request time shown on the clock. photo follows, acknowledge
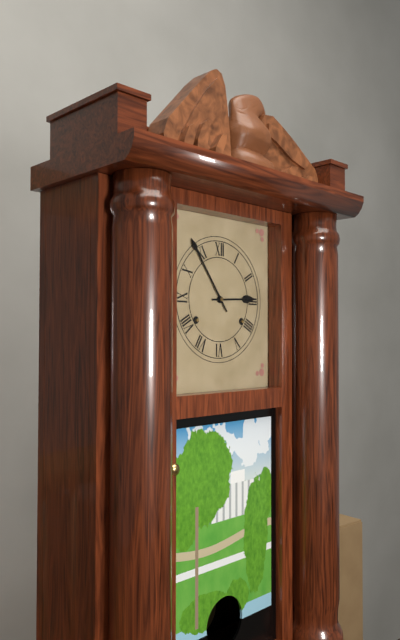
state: 2:54
